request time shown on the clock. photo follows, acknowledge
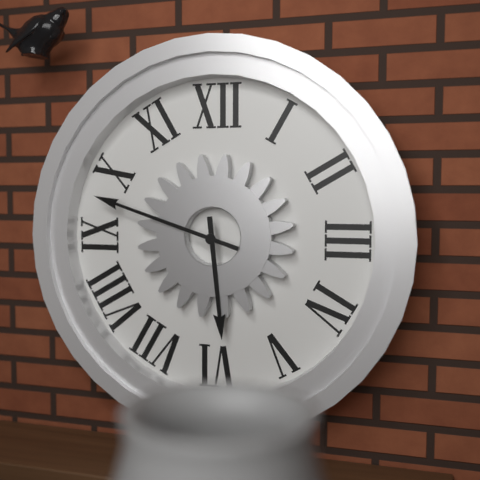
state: 5:48
